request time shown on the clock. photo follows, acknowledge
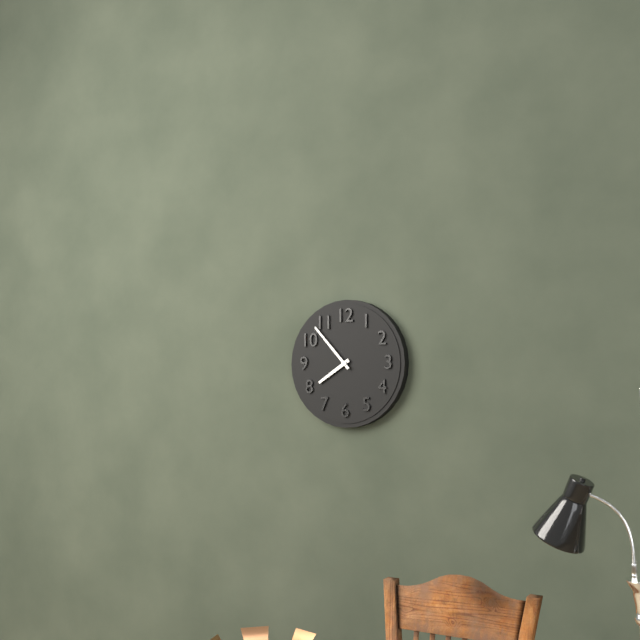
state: 7:53
